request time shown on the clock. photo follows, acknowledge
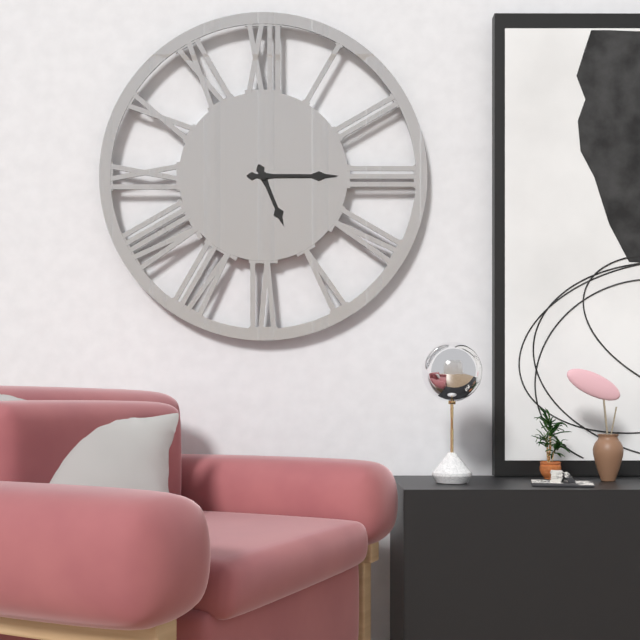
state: 5:15
